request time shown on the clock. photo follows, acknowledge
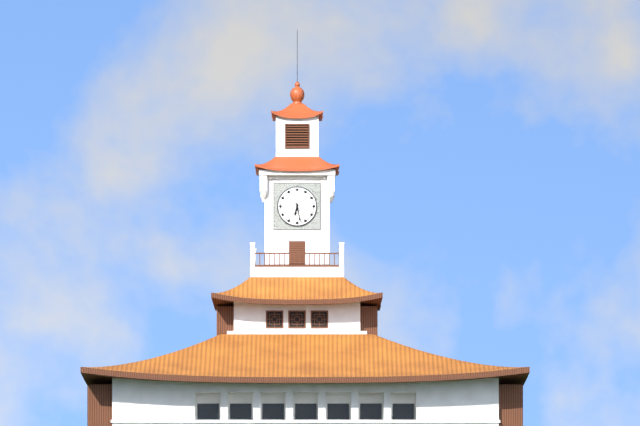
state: 6:28
